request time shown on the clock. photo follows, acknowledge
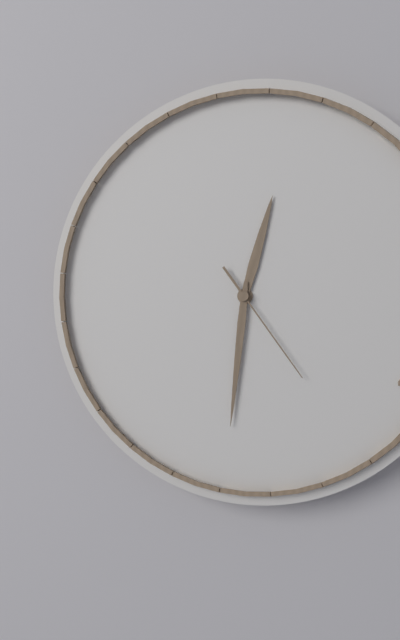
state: 12:31:24
